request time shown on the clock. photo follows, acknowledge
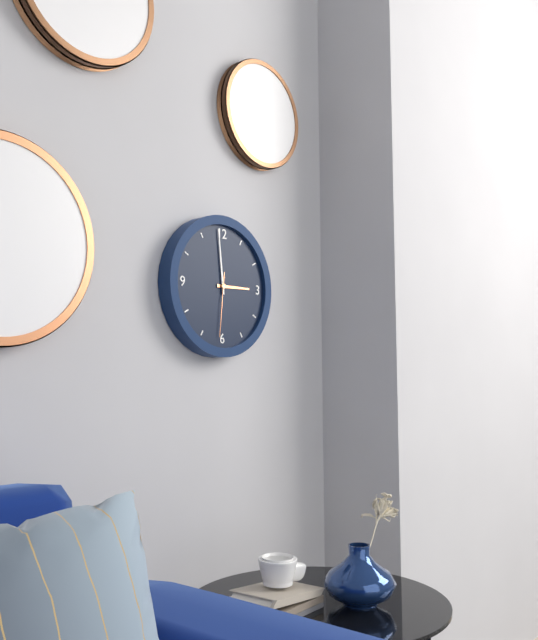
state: 2:59:31
